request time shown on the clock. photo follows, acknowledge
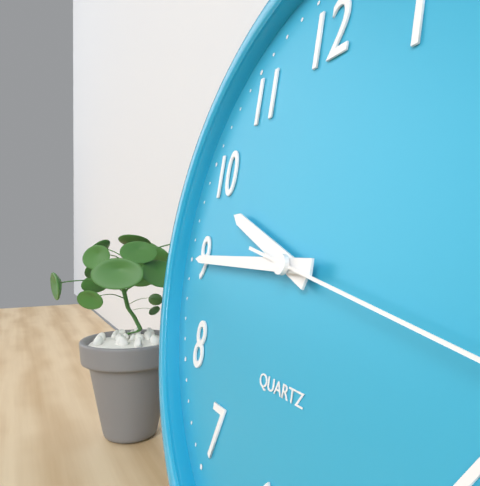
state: 9:45
